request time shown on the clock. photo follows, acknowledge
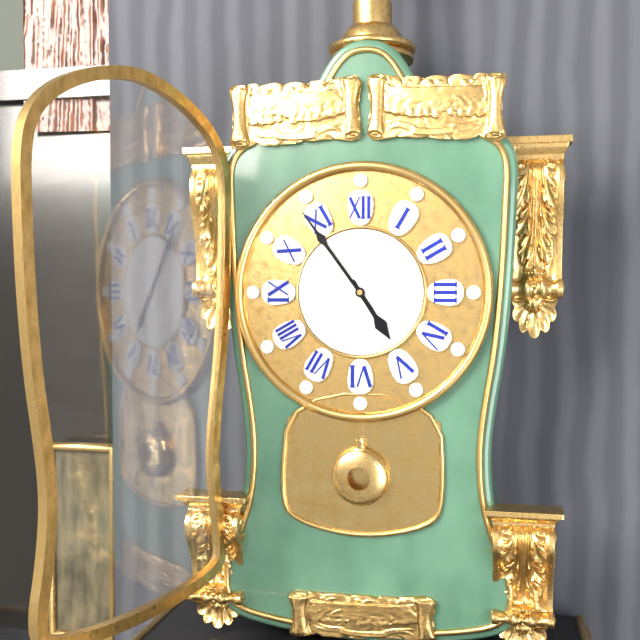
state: 4:54
